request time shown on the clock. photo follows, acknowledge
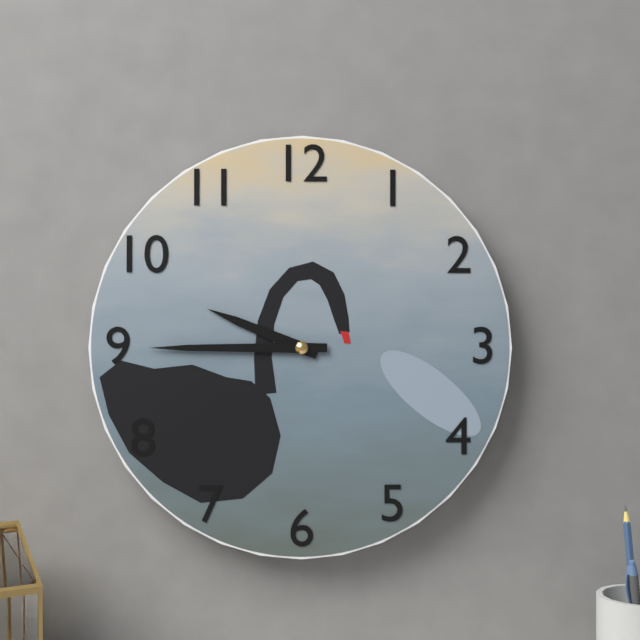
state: 9:45
